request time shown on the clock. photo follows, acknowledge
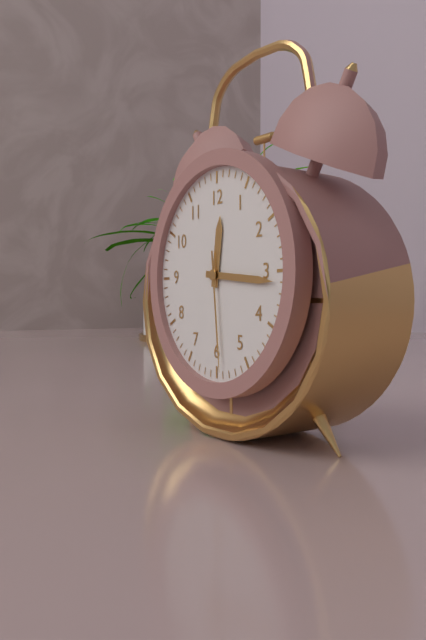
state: 12:16:29
